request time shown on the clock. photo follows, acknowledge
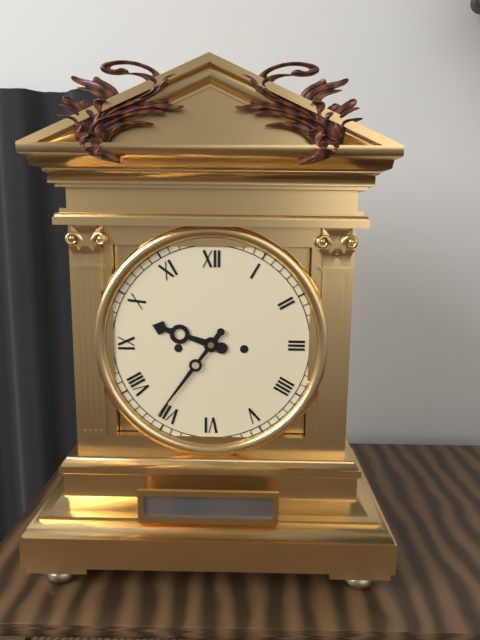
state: 9:36
